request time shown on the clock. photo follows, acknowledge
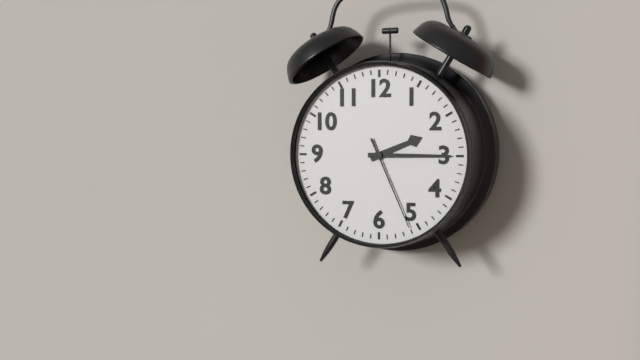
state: 2:15:26
